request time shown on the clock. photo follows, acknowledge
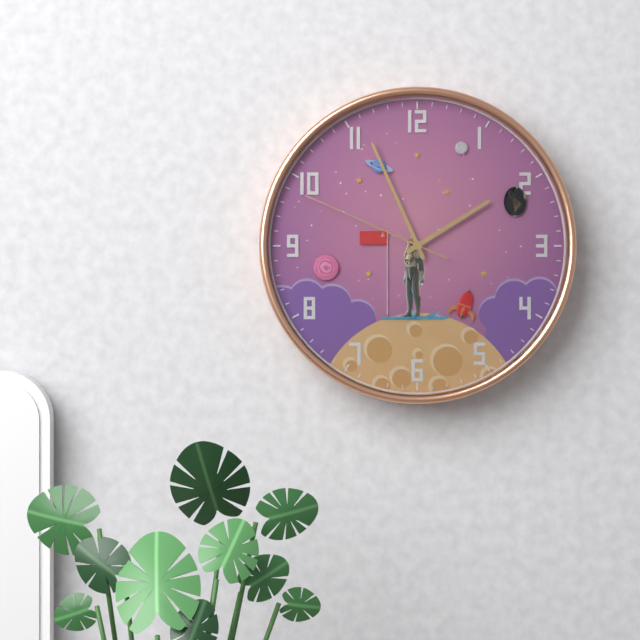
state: 1:56:49
